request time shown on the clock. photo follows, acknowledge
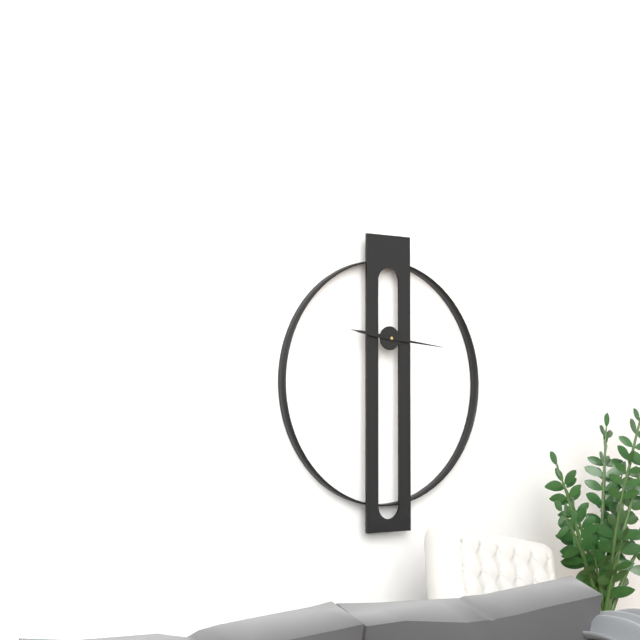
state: 9:16
